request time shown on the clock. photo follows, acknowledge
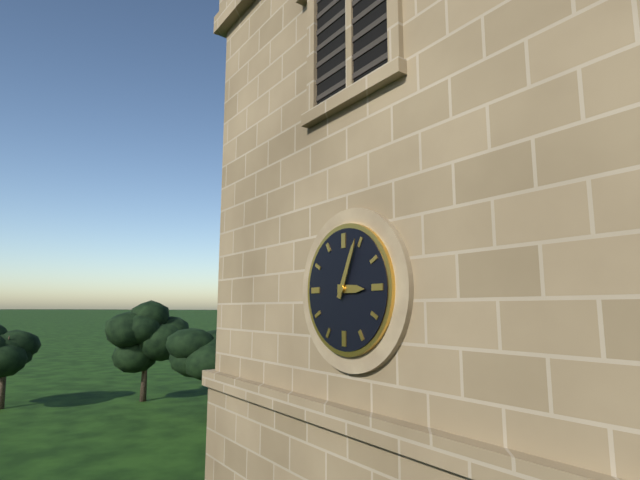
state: 3:04
